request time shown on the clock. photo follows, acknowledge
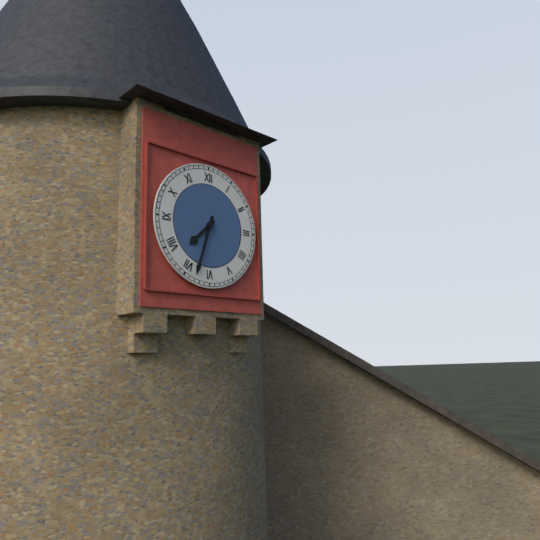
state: 7:33
